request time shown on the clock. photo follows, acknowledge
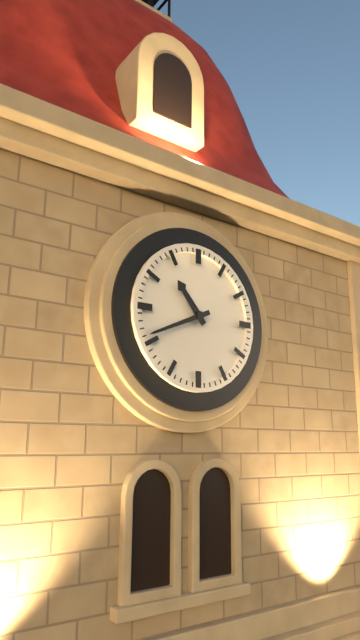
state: 10:41
